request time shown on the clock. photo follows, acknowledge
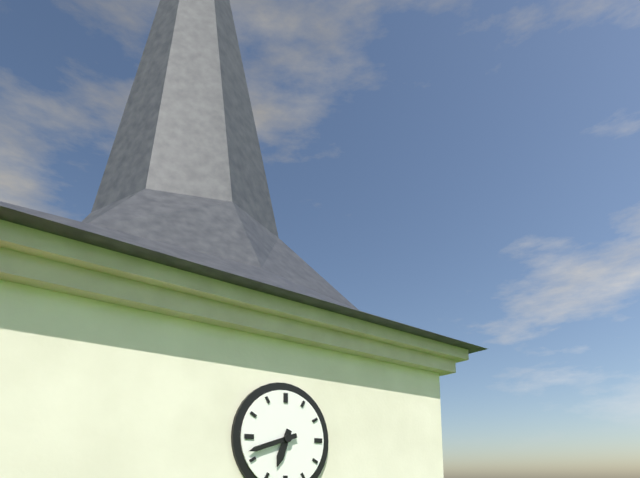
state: 6:42
